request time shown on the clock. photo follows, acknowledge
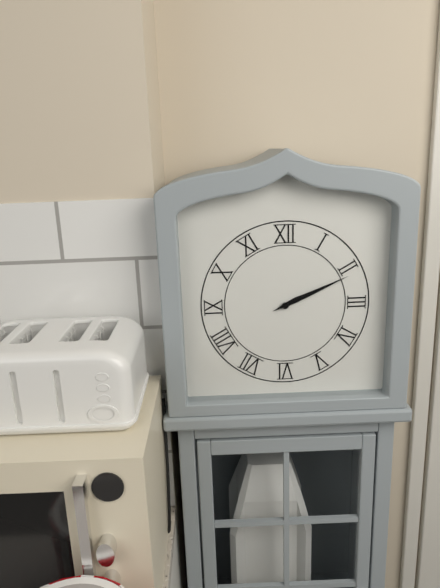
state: 2:11
